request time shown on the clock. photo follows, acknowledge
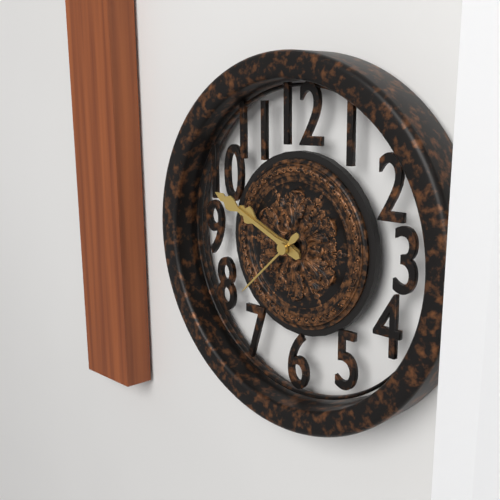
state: 9:49:38
